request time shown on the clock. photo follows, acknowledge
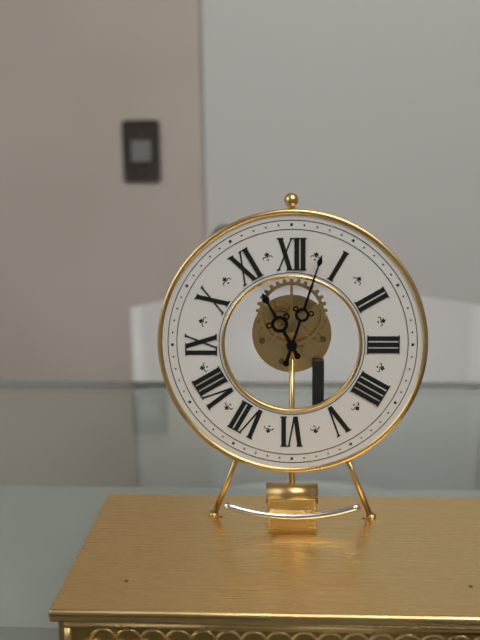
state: 11:03
